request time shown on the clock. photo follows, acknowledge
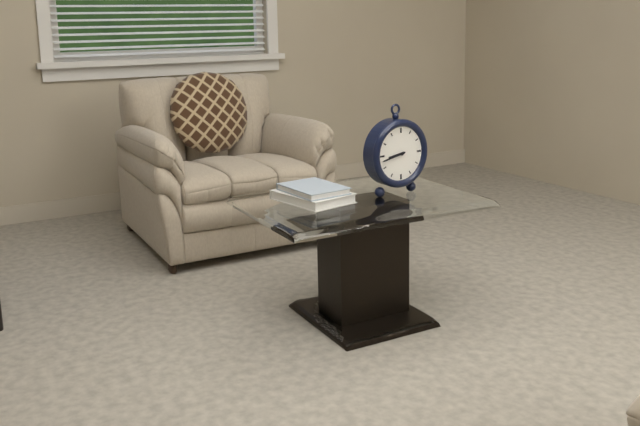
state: 8:43
